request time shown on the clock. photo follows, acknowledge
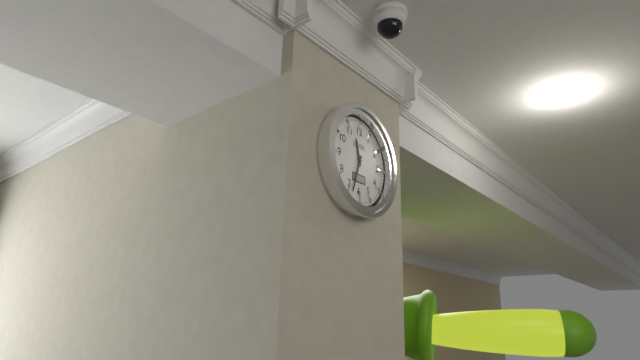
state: 11:33
